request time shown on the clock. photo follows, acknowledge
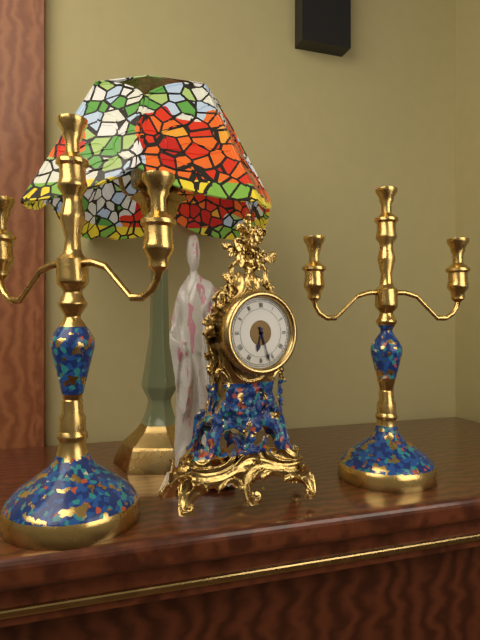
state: 6:27
